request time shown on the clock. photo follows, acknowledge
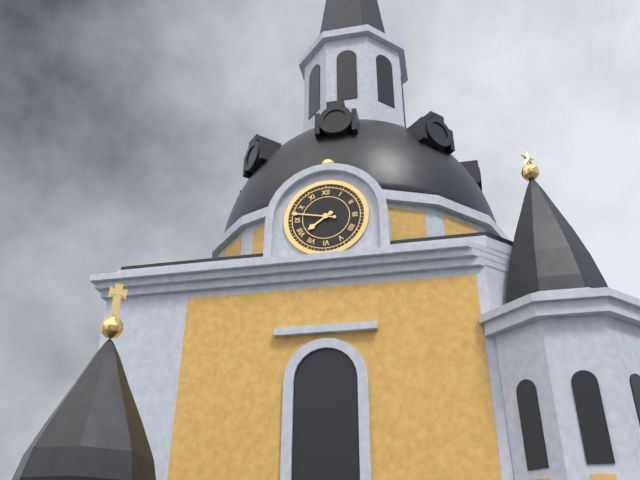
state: 7:47
